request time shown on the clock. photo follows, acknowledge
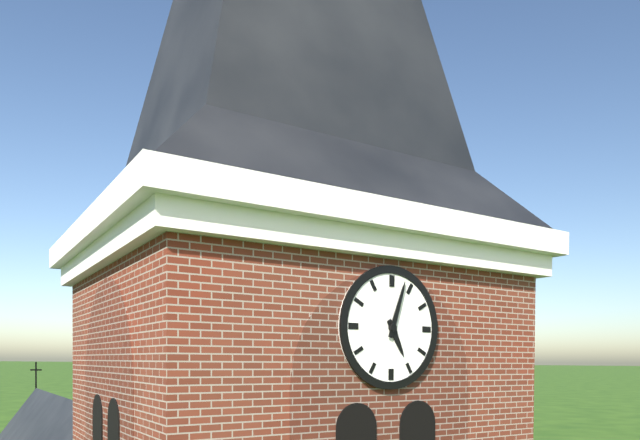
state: 5:03
